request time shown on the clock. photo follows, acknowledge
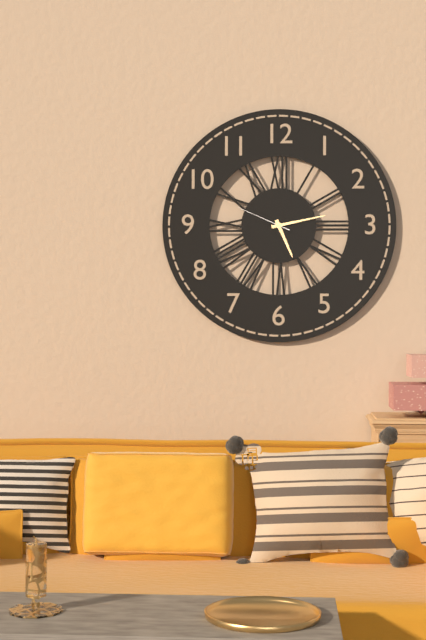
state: 5:13:49
